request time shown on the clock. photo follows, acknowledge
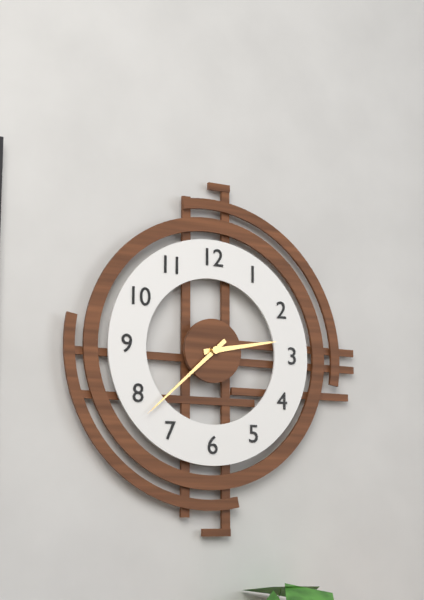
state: 2:38
